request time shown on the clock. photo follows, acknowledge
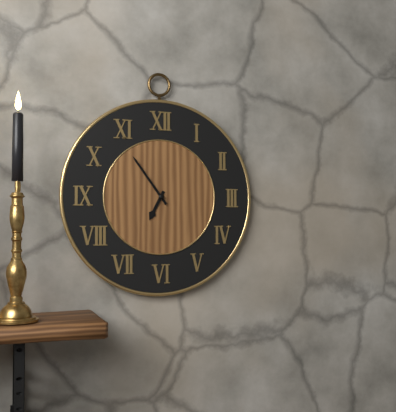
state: 6:54
